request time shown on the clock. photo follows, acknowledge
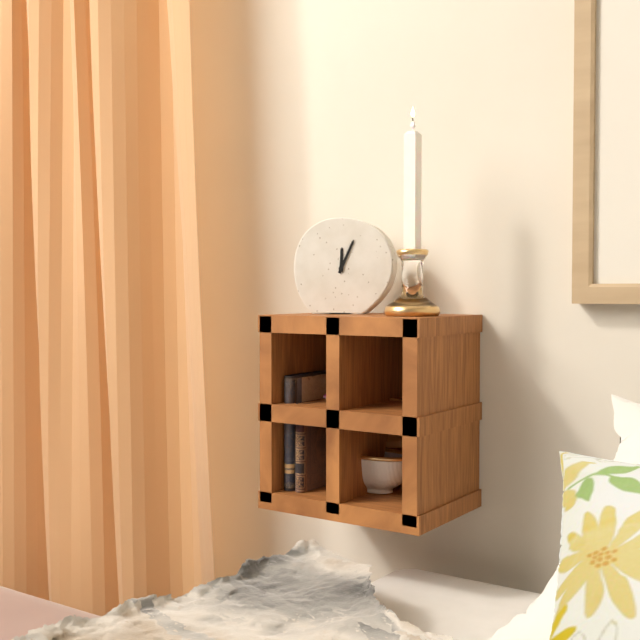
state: 12:04
